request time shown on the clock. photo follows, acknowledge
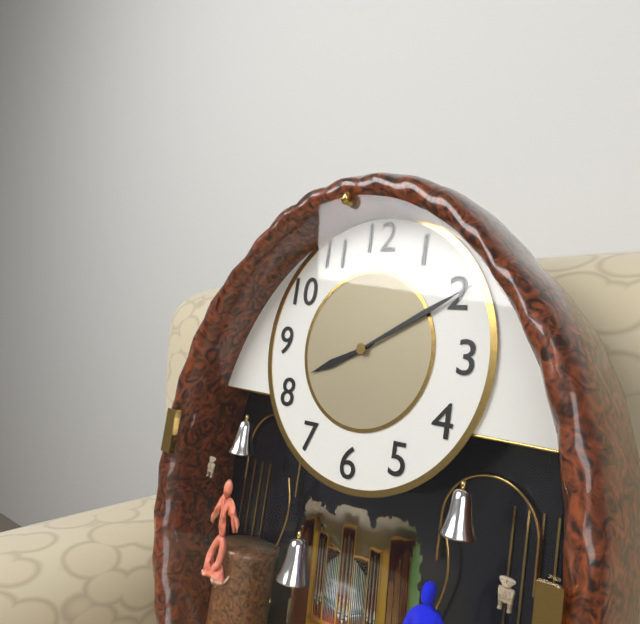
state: 8:10
